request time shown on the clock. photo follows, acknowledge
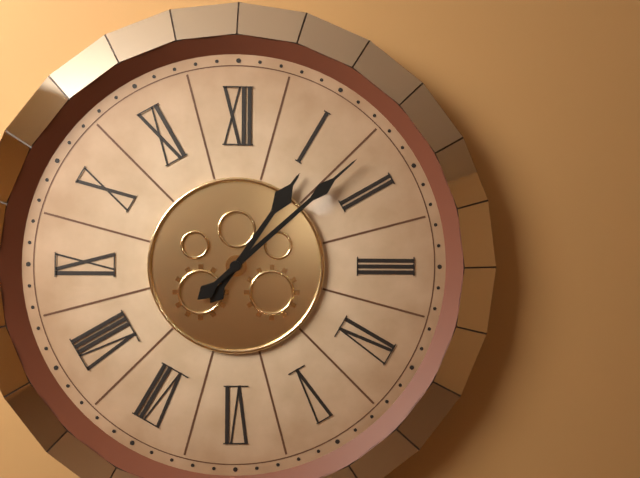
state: 1:08
